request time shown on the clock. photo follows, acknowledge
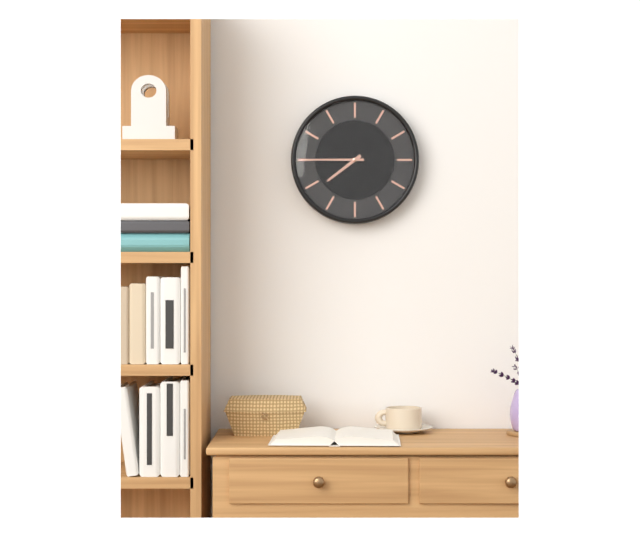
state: 7:45
